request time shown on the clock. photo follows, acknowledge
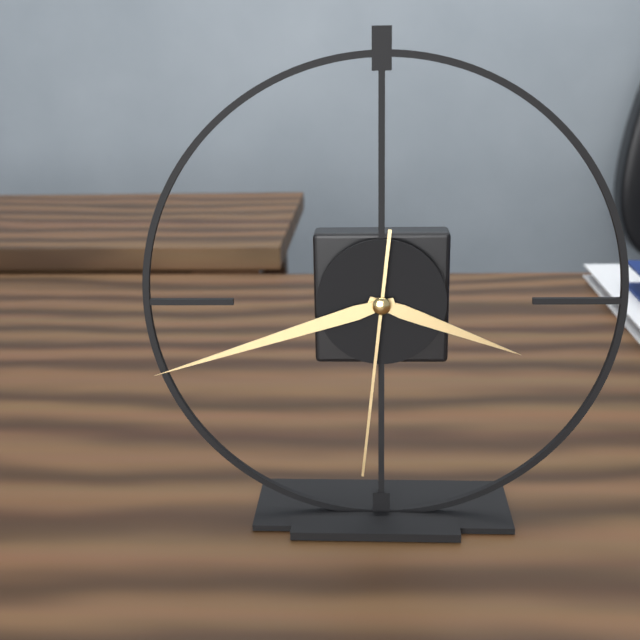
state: 3:42:31
